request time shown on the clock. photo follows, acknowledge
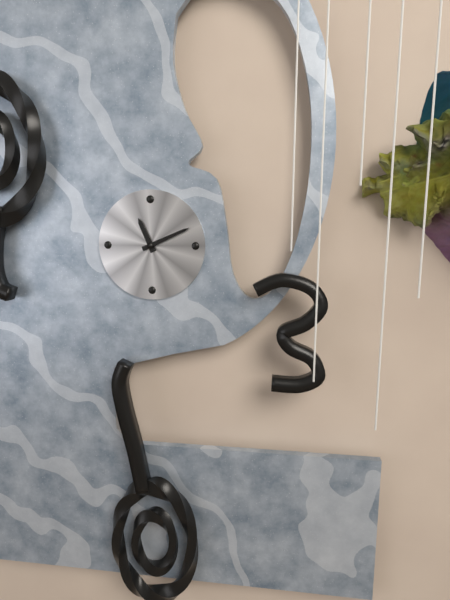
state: 11:11
